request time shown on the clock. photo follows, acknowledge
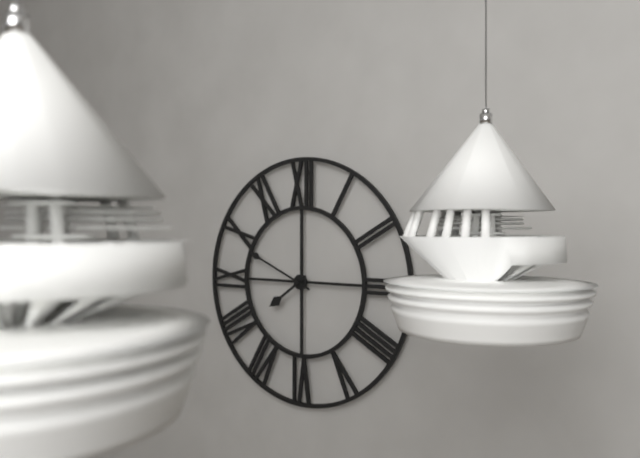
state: 7:49
